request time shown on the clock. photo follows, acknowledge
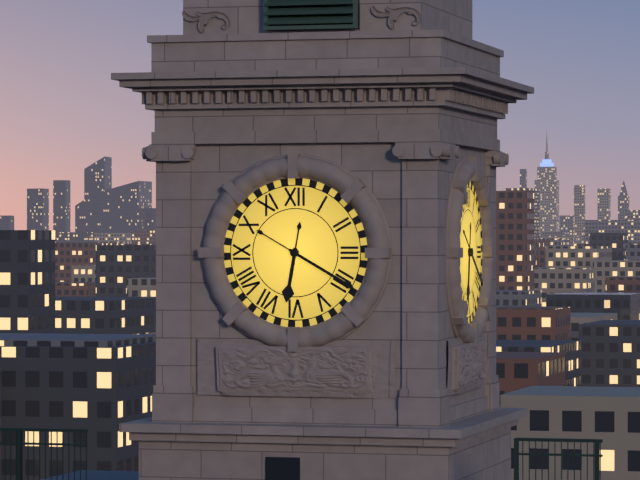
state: 6:20
